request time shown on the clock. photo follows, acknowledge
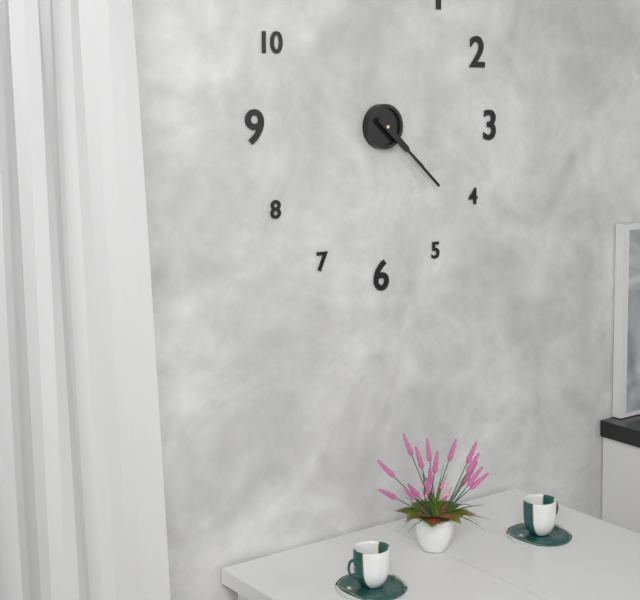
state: 4:22
